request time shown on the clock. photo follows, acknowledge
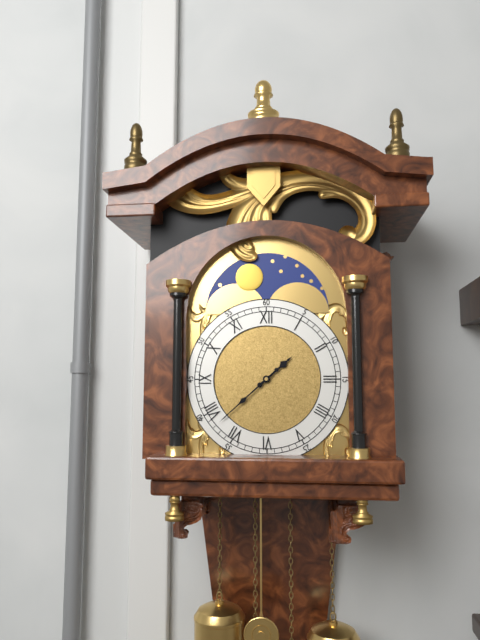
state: 1:38
